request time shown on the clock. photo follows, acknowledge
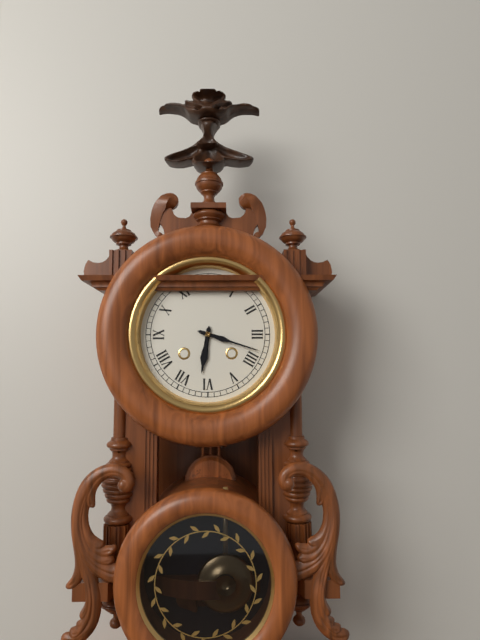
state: 6:18
